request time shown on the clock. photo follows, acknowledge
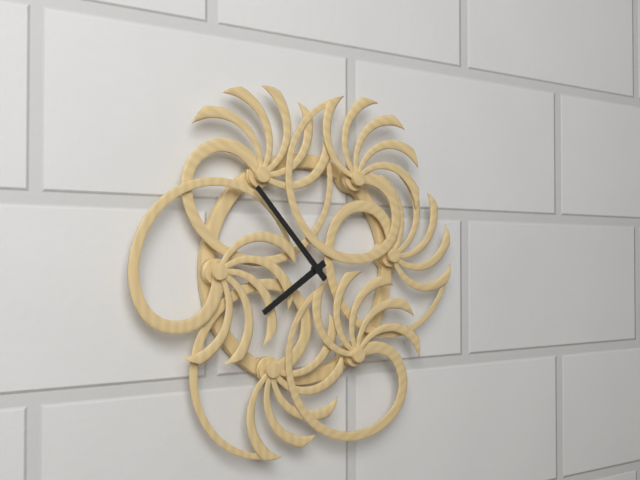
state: 7:53
